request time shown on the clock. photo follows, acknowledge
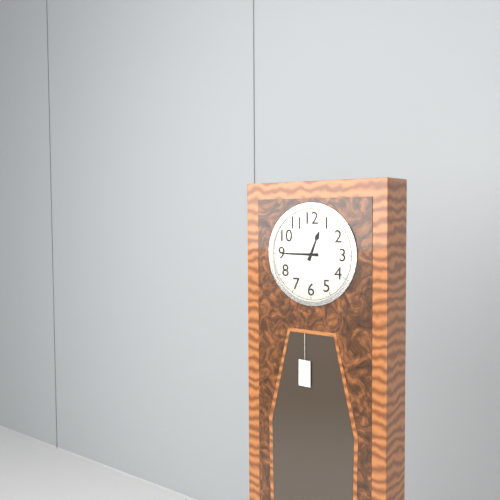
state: 12:45
